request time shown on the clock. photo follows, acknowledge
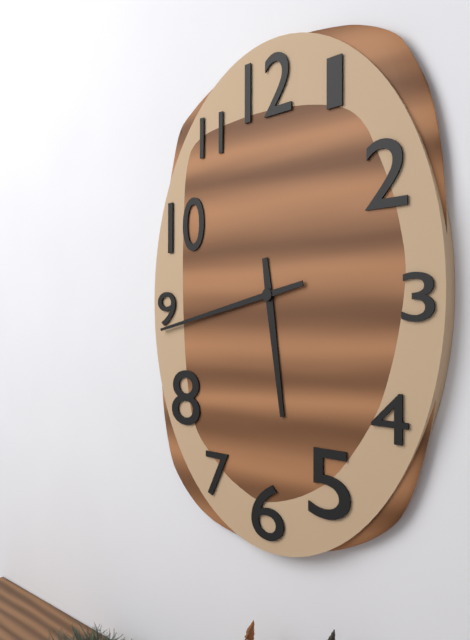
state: 5:43
